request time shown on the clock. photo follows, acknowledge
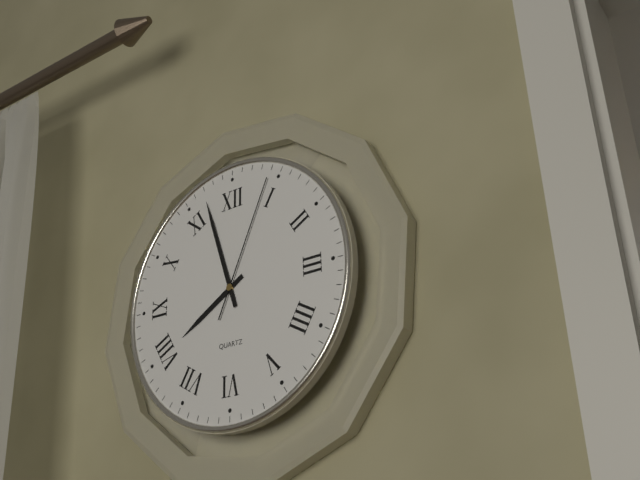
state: 7:57:04
